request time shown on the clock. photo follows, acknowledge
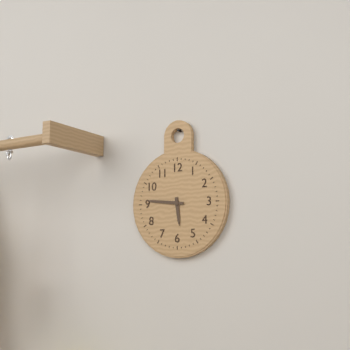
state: 5:46
